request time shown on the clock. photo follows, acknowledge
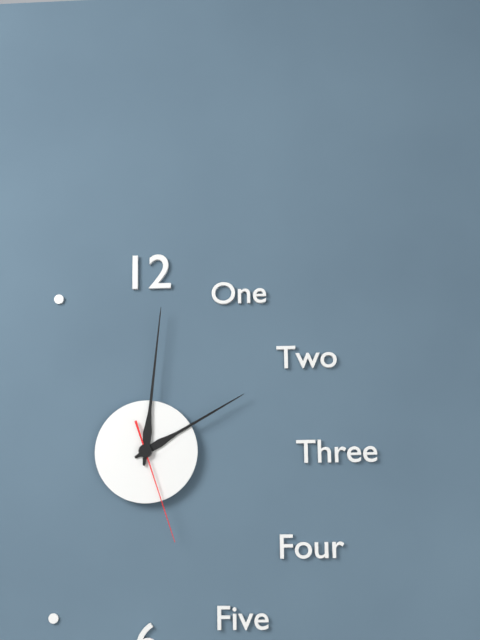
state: 2:01:27
